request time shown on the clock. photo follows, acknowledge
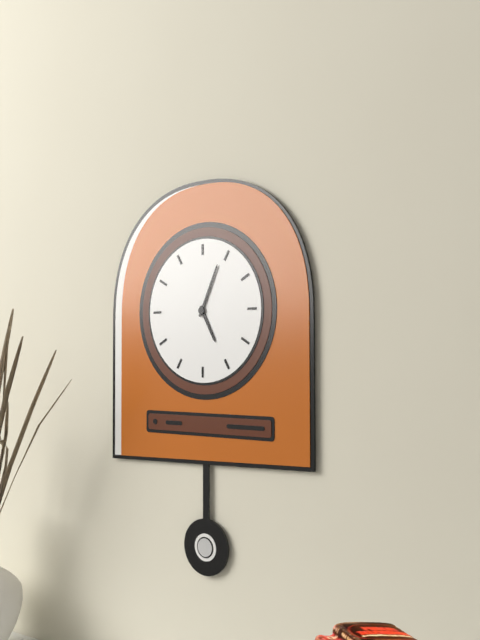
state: 5:04
